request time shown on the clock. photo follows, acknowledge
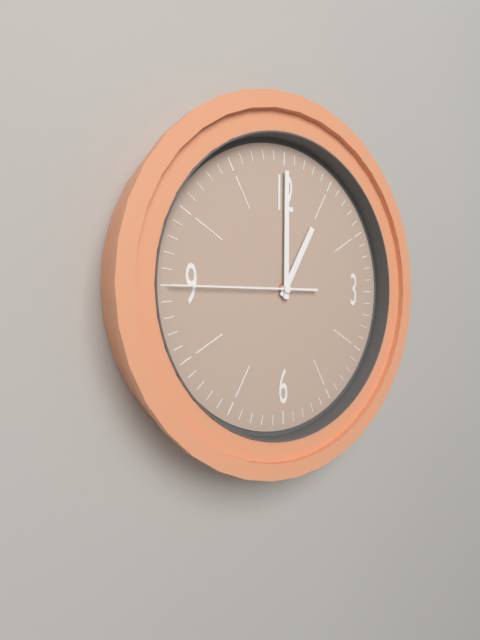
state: 1:00:45
